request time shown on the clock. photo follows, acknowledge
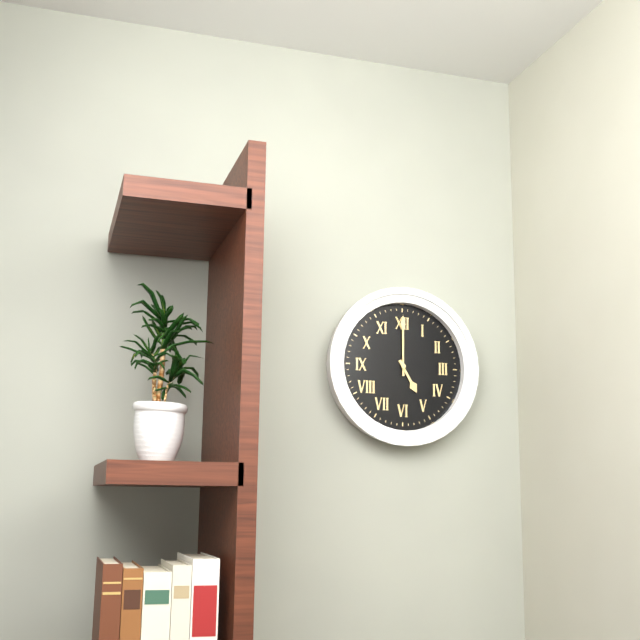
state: 5:00
